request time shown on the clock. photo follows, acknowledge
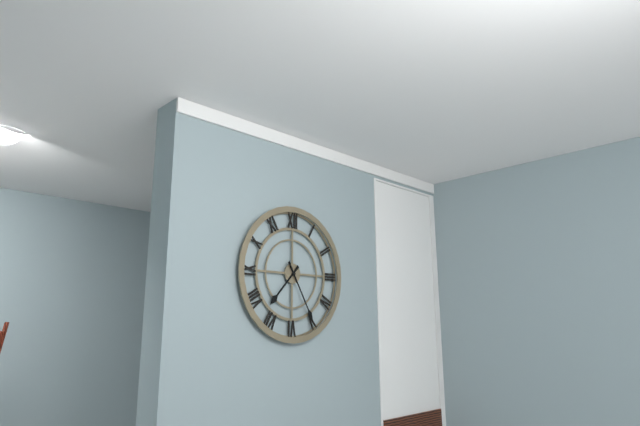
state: 7:25
